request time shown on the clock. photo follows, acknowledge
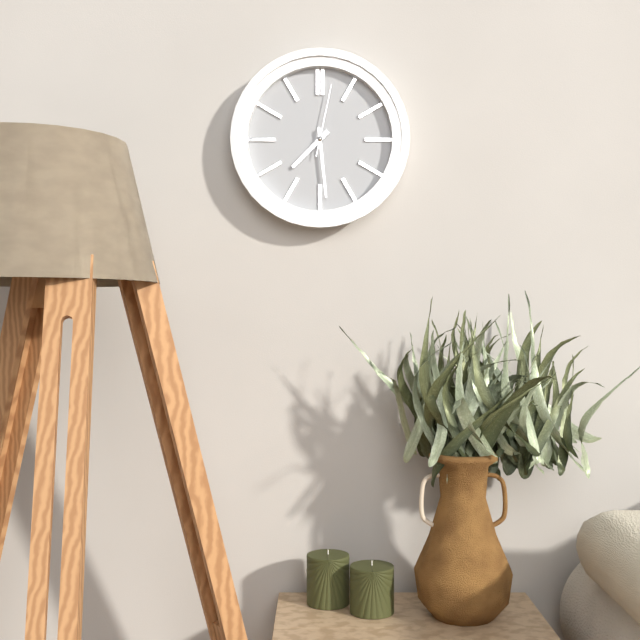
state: 7:29:02
